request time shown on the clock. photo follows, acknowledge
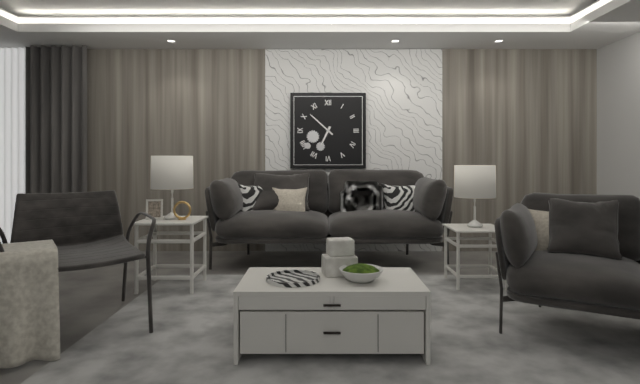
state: 6:52
